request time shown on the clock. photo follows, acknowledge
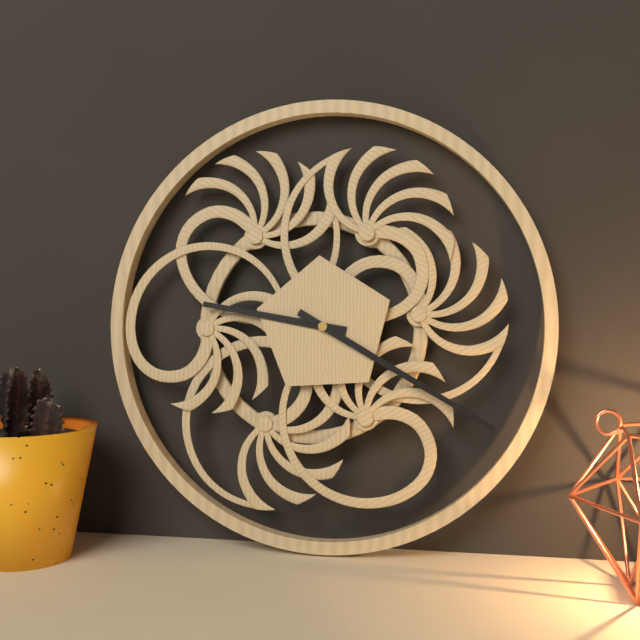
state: 9:20
